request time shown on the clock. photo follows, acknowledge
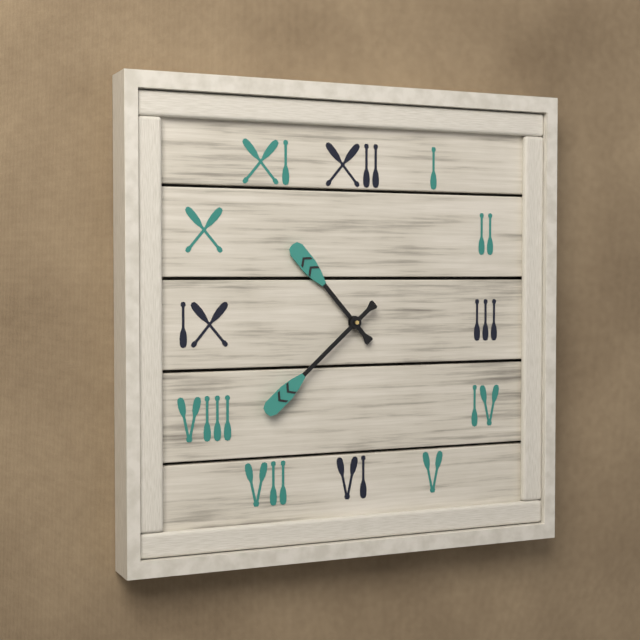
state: 10:38
